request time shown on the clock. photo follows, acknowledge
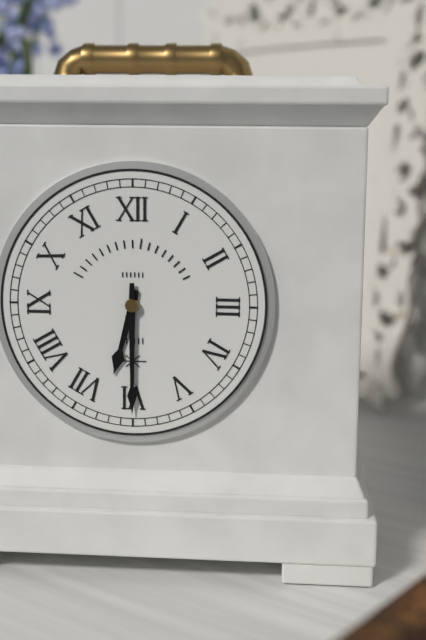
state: 6:30
